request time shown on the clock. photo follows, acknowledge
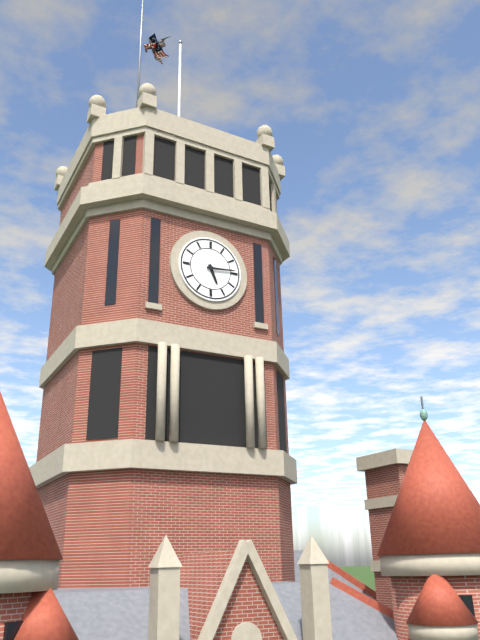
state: 5:14
